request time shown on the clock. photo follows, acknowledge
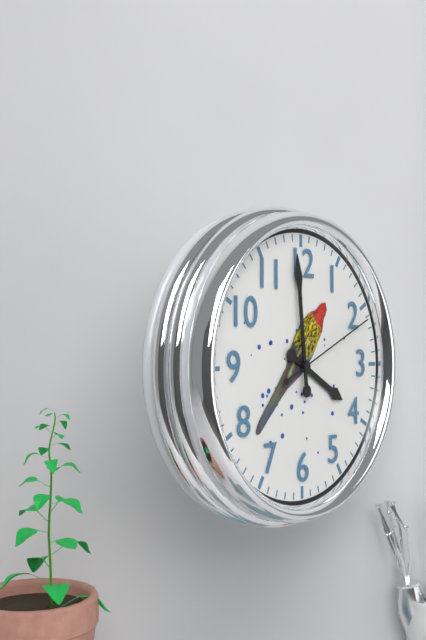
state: 3:59:11
